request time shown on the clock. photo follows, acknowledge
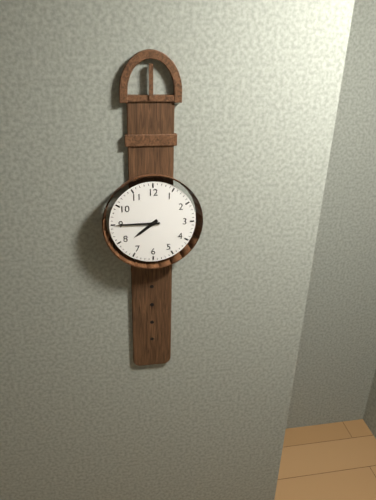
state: 7:45
